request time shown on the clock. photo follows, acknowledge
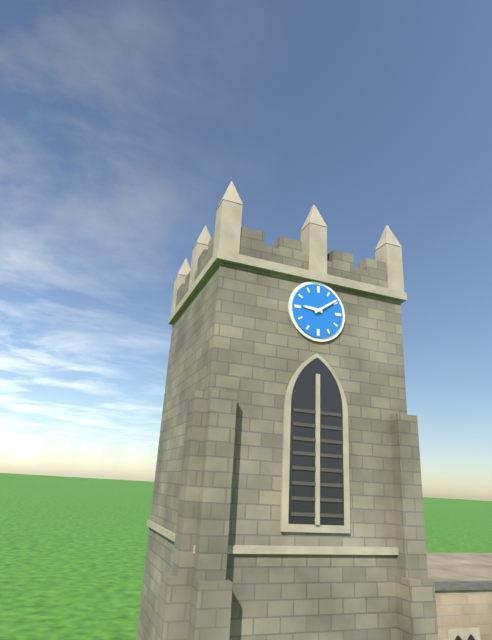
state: 9:09
